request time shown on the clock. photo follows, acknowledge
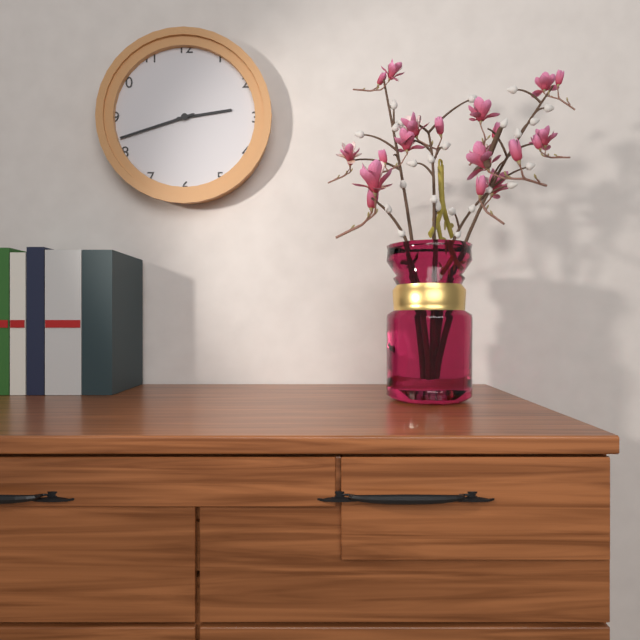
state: 2:42
